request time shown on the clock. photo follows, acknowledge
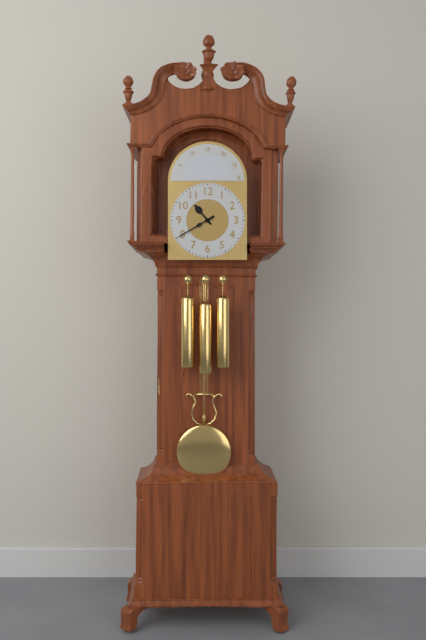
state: 10:40
